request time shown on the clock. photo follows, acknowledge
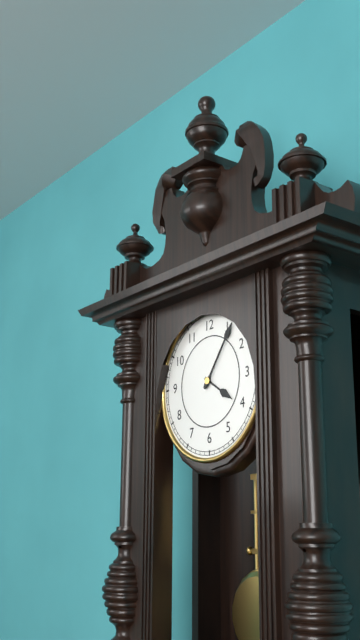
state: 4:06
